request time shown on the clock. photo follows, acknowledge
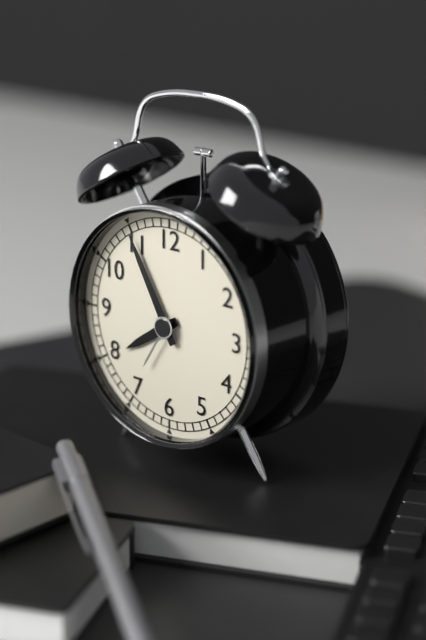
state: 7:55
